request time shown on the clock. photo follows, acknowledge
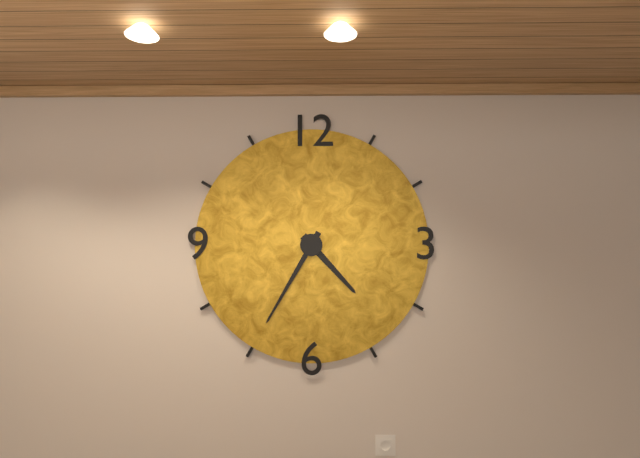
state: 4:35
